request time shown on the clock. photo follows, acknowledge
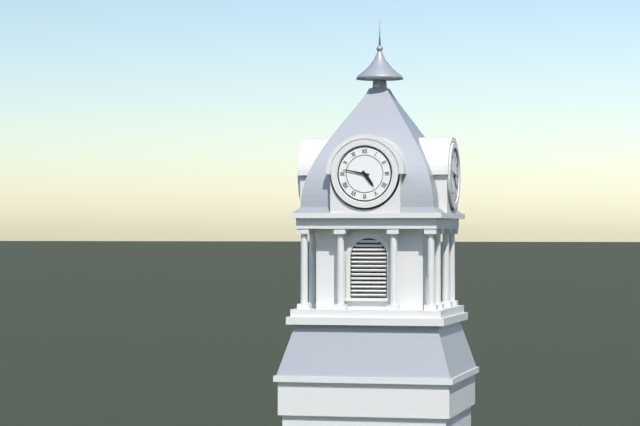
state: 4:47
